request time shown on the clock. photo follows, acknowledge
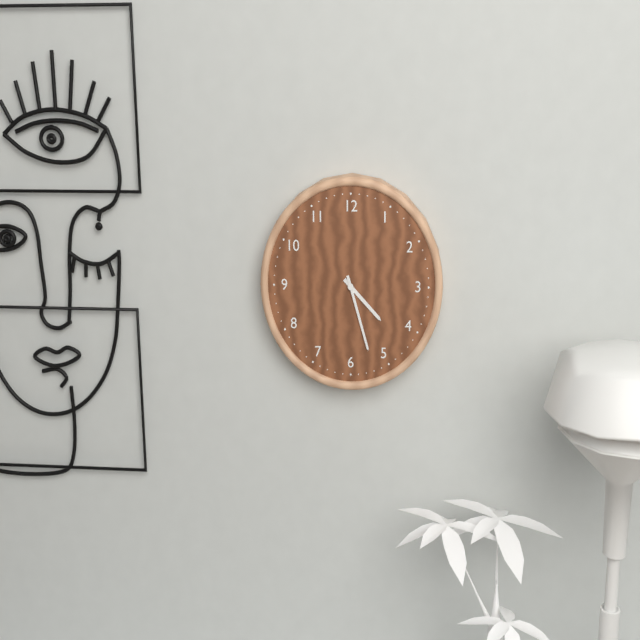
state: 4:27
